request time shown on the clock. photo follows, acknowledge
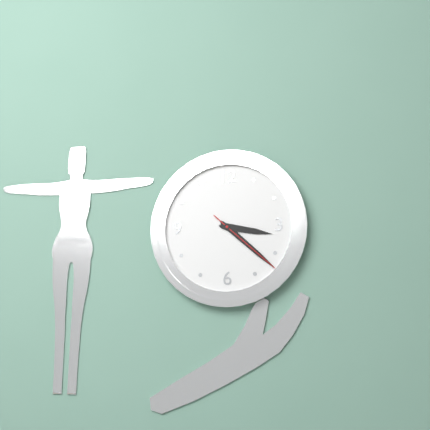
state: 3:22:22
